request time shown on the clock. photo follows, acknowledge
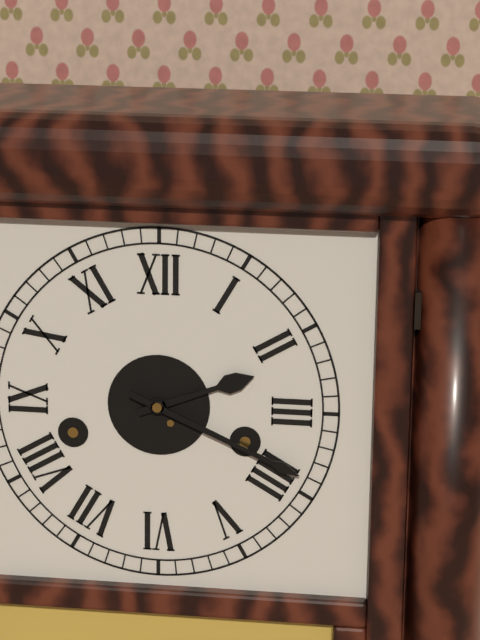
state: 2:19
